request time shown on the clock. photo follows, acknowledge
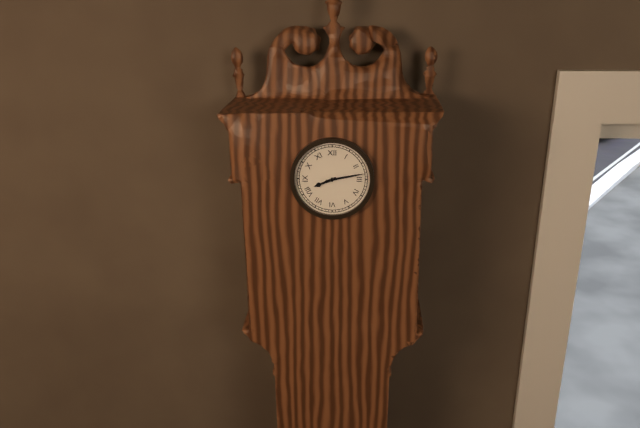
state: 8:13
